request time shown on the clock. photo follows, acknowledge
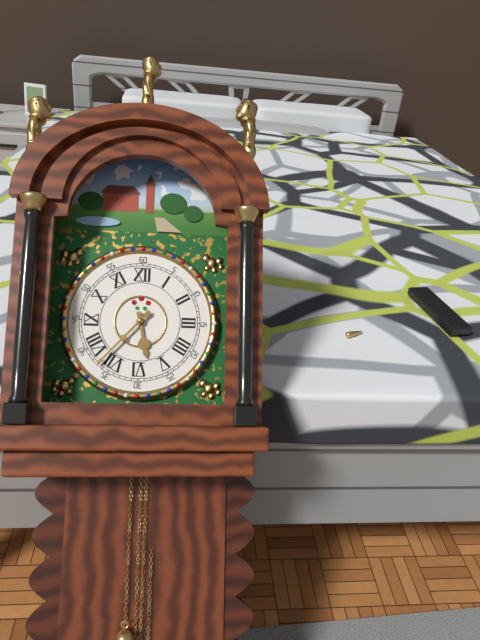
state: 5:37
